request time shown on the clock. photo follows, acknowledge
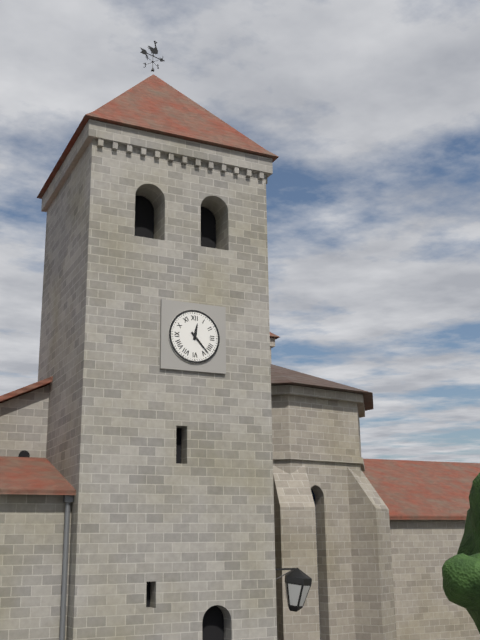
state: 12:23
